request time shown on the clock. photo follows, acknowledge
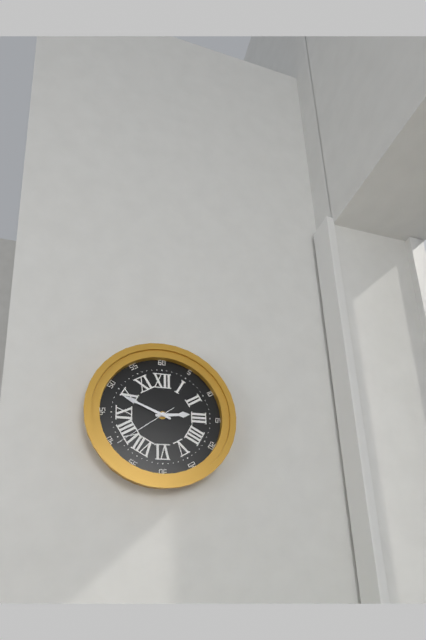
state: 2:49:39
